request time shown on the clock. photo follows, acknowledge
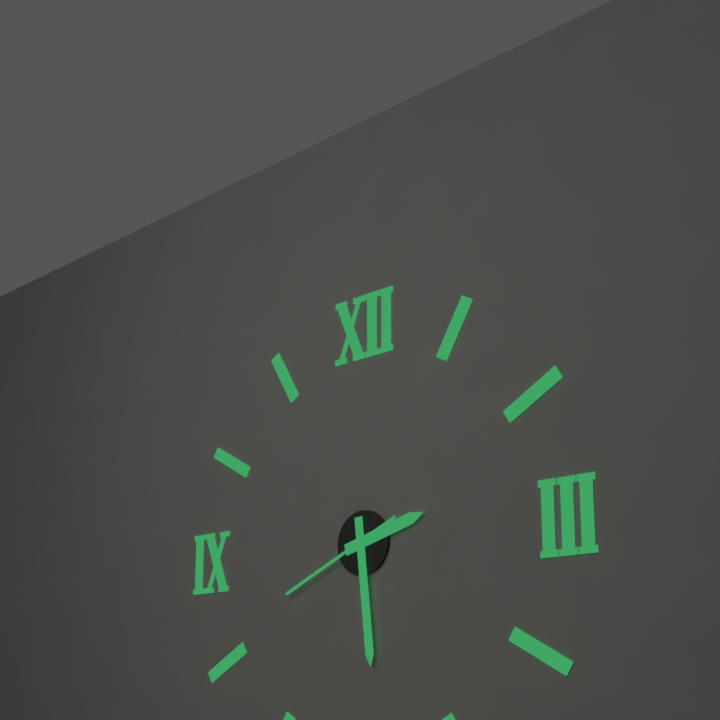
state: 2:29:41
